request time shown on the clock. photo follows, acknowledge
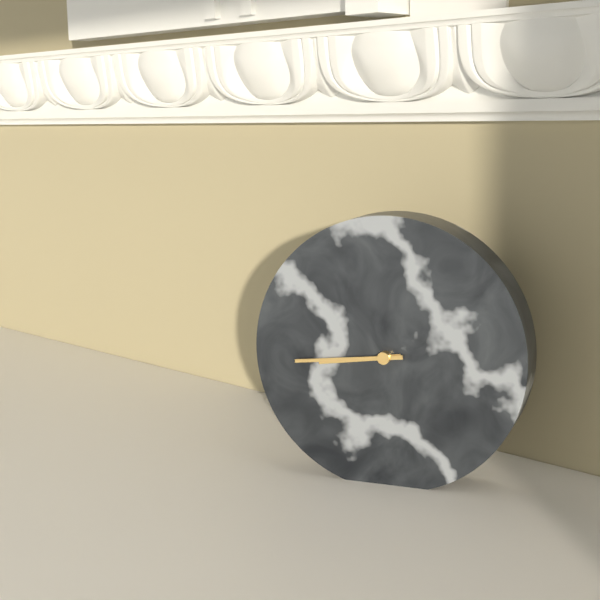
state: 8:44
